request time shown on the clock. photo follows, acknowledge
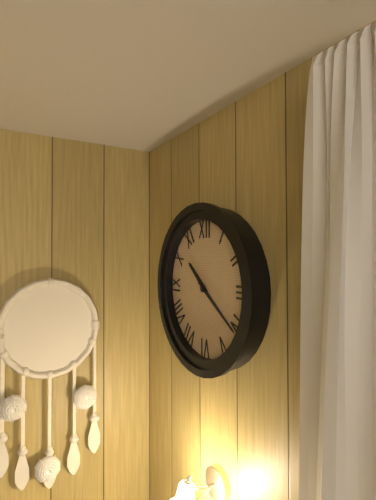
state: 10:21
